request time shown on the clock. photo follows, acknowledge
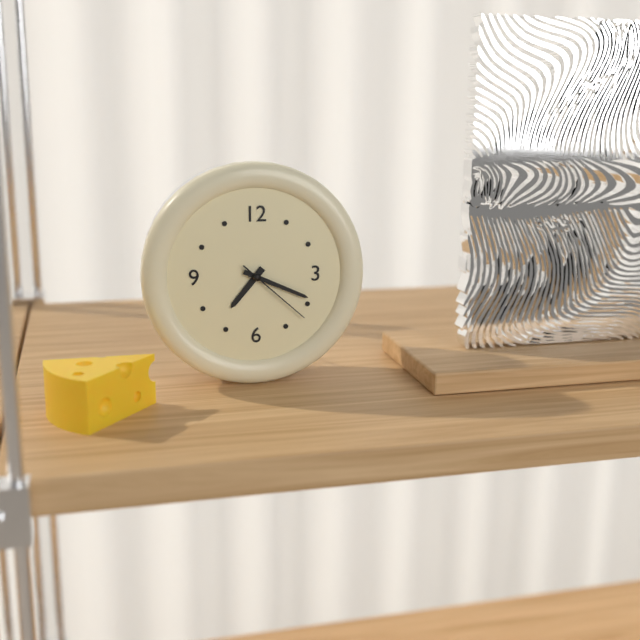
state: 7:19:22
